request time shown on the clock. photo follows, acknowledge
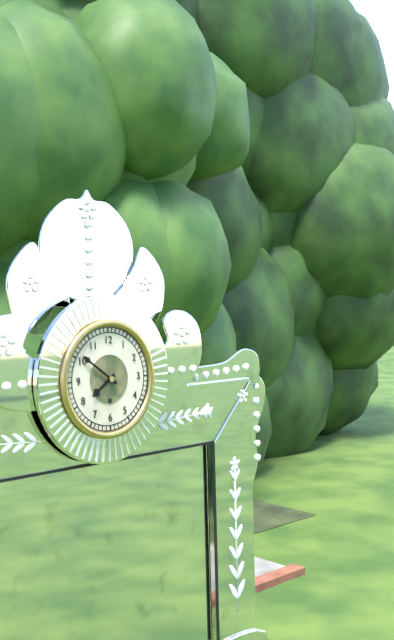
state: 7:51
